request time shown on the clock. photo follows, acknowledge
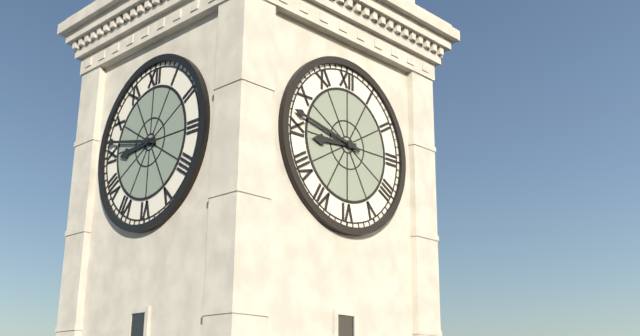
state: 8:47
